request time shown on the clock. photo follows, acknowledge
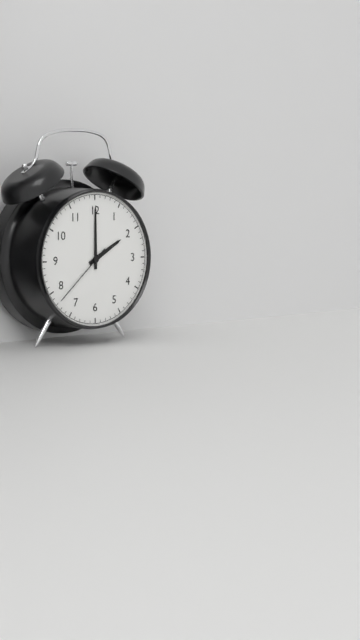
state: 2:00:38
